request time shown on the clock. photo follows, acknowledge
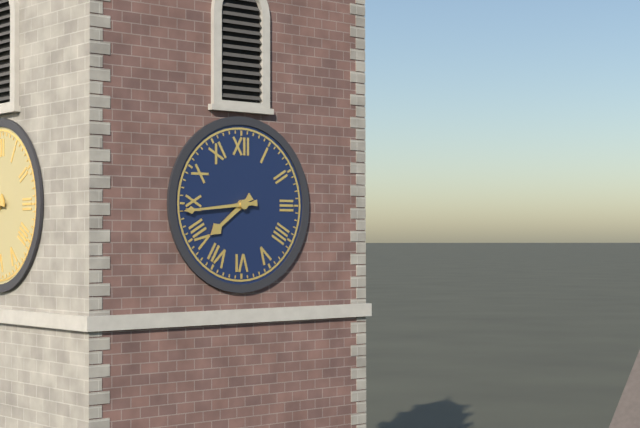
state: 7:44
